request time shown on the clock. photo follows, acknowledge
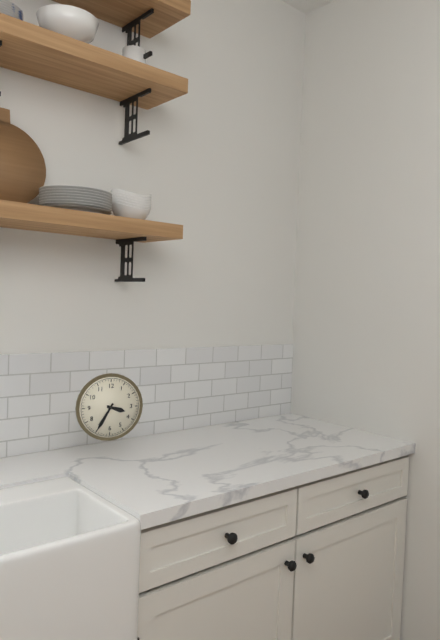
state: 3:35
